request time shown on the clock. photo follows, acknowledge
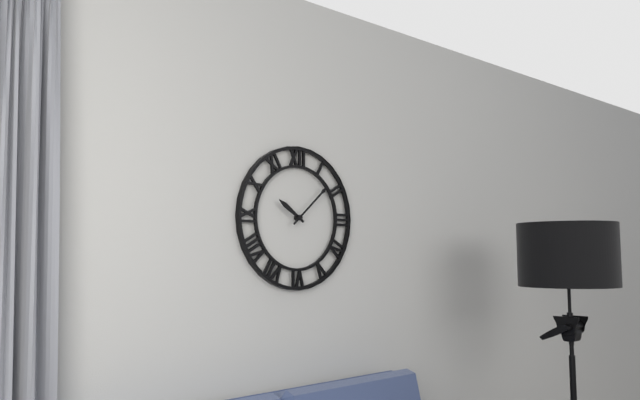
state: 10:08
